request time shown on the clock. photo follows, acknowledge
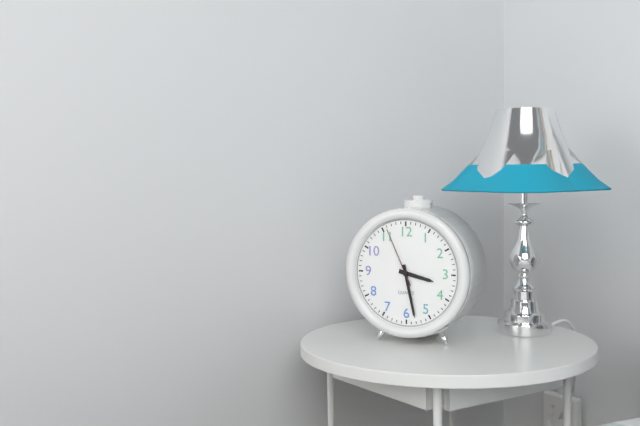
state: 3:28:56
